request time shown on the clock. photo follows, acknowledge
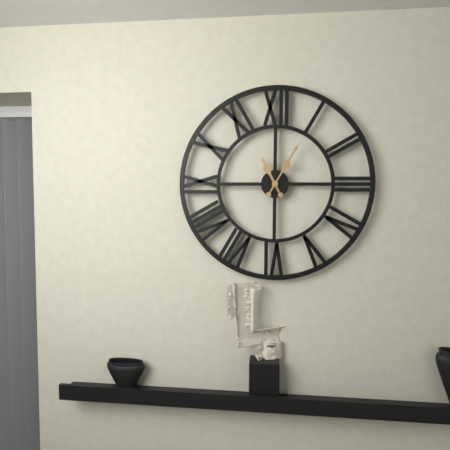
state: 11:05
